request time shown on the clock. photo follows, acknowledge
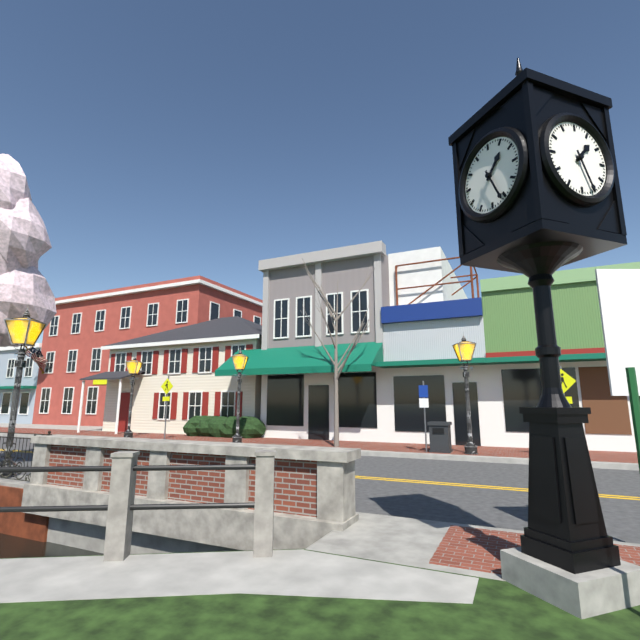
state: 1:26
